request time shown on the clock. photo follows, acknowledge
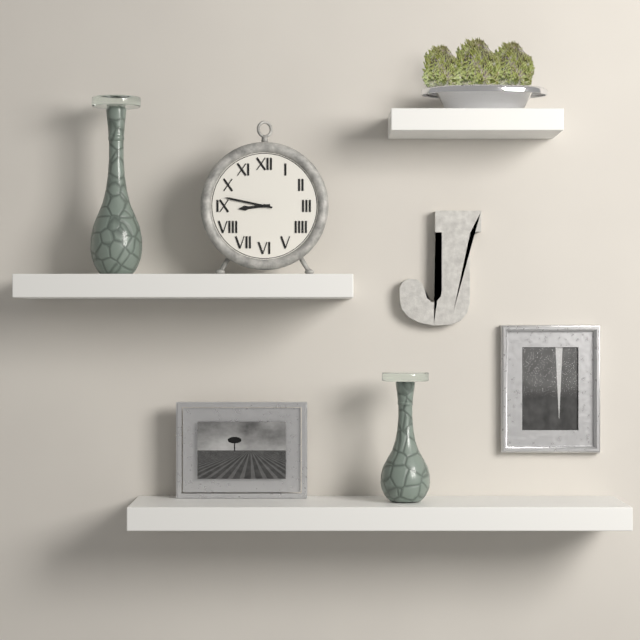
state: 8:47
